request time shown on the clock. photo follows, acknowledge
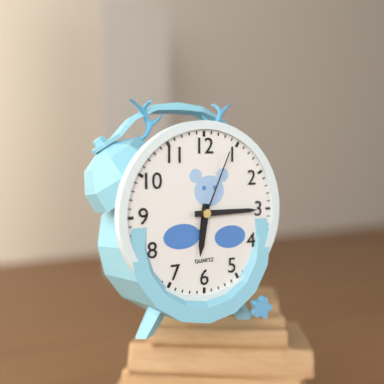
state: 6:15:04
